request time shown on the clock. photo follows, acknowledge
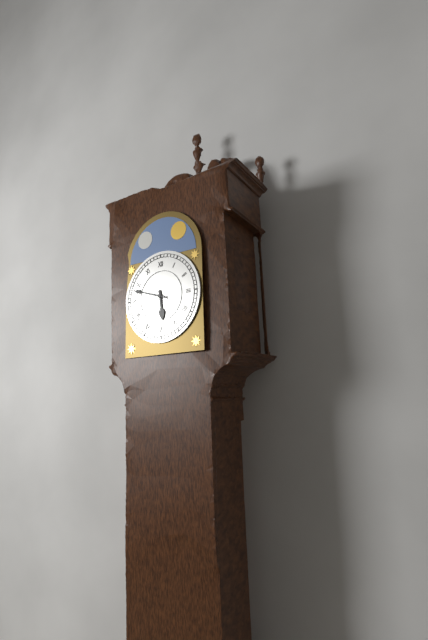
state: 5:48
